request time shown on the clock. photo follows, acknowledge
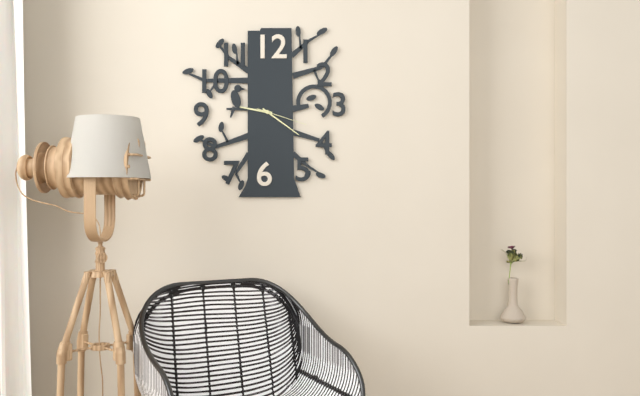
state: 9:21:18
